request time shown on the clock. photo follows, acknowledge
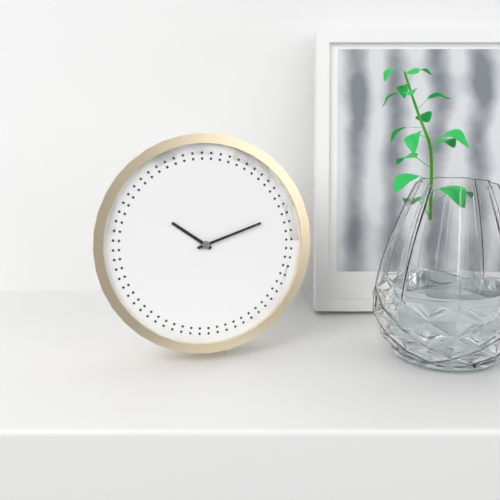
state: 10:12
